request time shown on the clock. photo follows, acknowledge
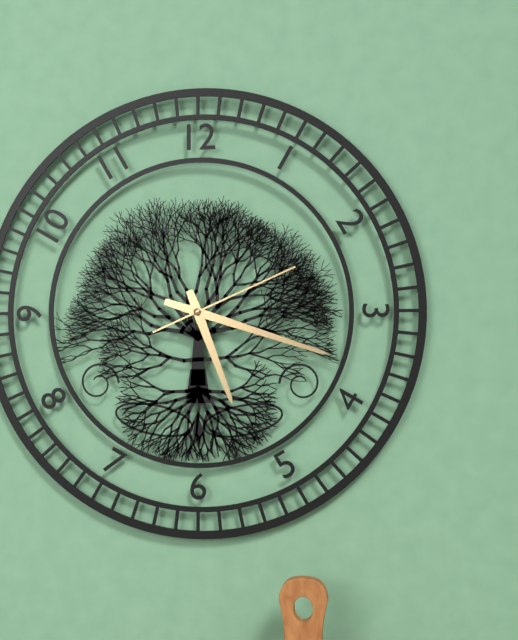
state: 5:18:11
